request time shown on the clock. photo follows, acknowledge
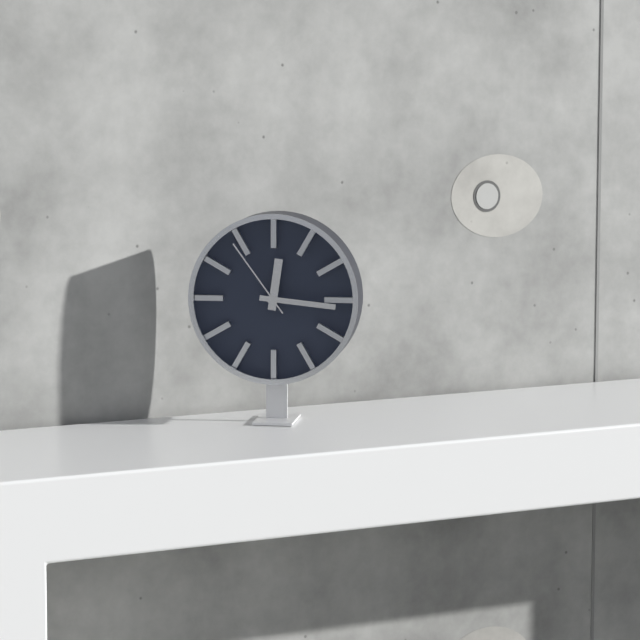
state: 12:16:54
